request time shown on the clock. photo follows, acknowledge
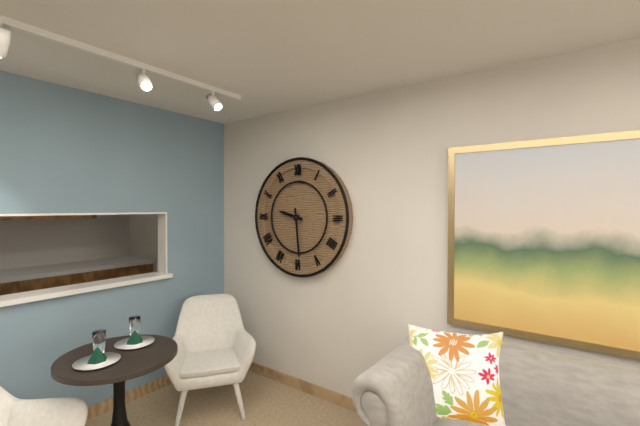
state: 9:29
